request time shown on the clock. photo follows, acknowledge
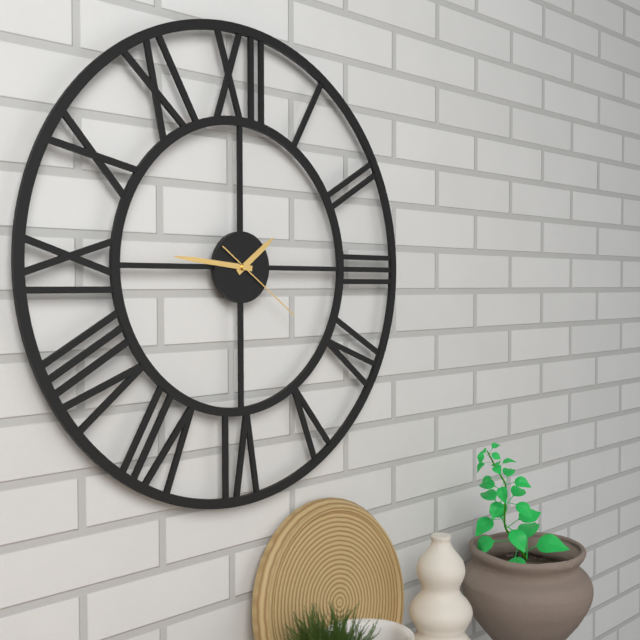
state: 1:46:21
